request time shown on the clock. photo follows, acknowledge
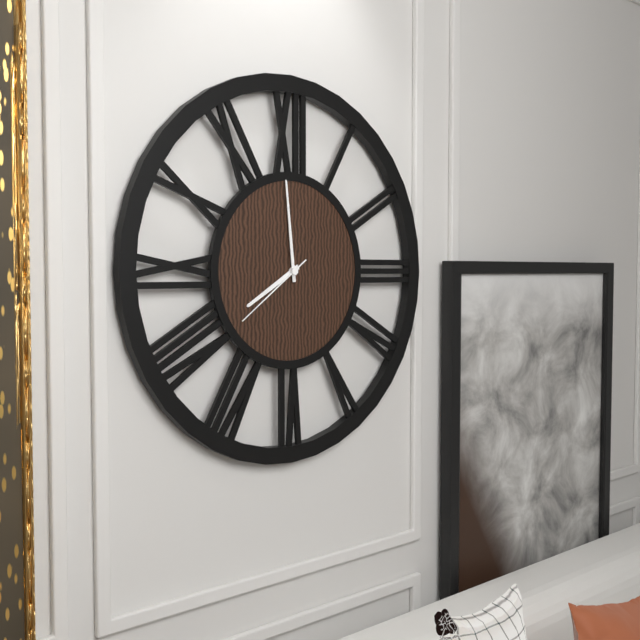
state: 7:59:39
